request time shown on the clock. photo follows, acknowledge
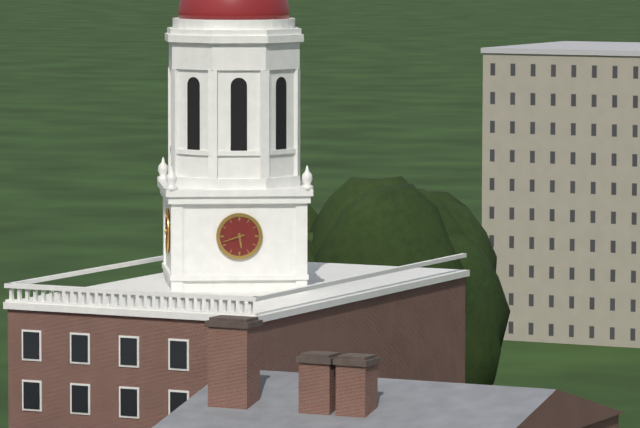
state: 5:42
